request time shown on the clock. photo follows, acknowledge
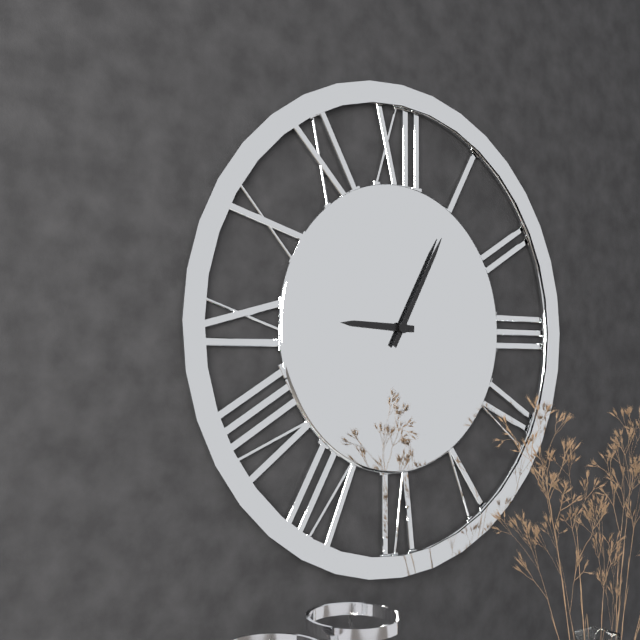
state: 9:05
